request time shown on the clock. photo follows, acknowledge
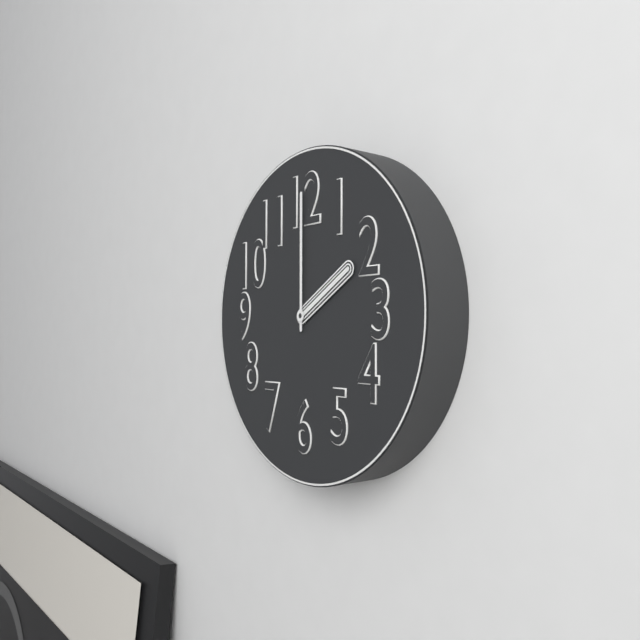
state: 2:00
